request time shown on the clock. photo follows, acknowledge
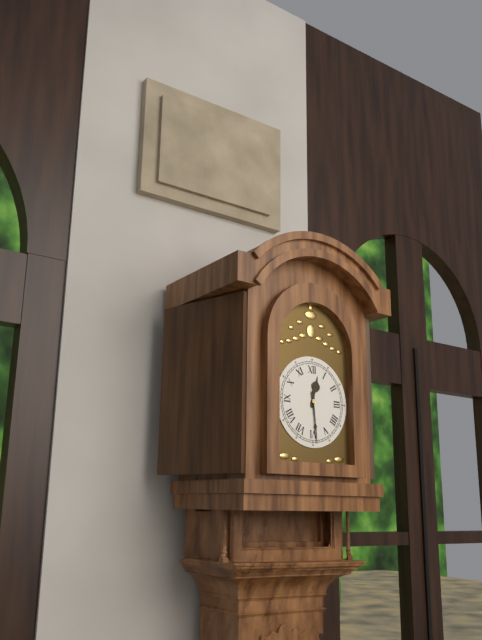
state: 12:29
